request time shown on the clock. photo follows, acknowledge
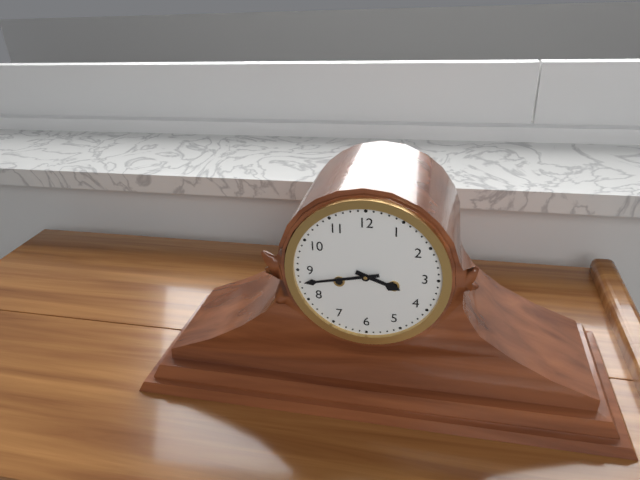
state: 3:43
